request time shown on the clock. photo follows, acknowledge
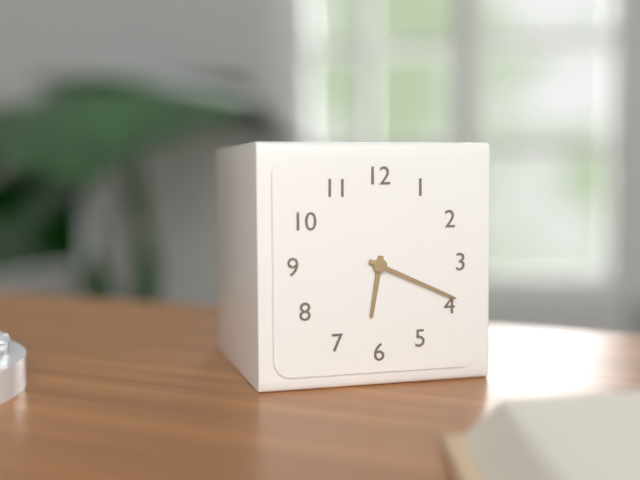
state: 6:19
